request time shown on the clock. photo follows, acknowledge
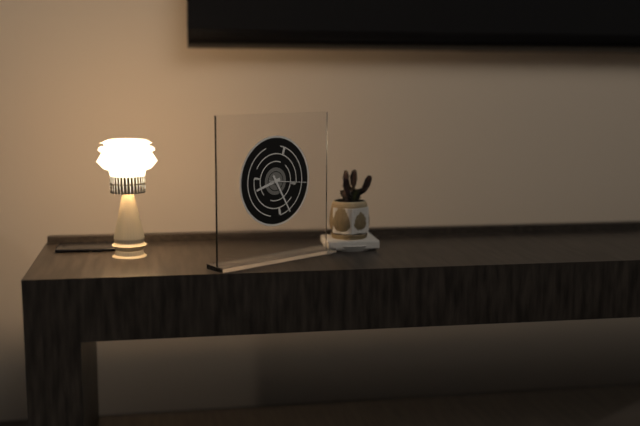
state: 8:25
